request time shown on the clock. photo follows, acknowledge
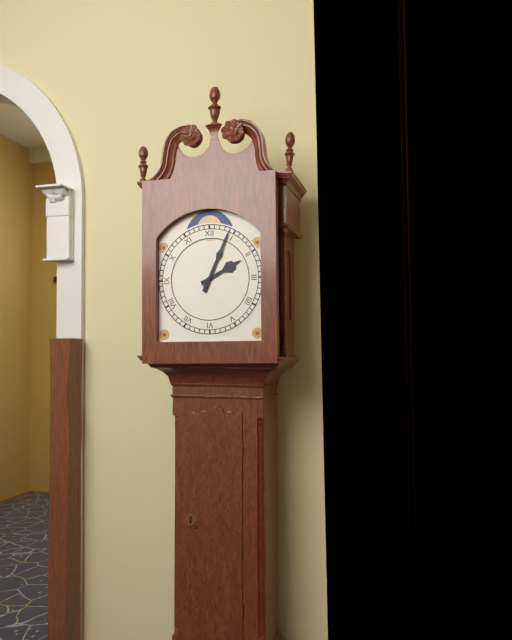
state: 2:04
